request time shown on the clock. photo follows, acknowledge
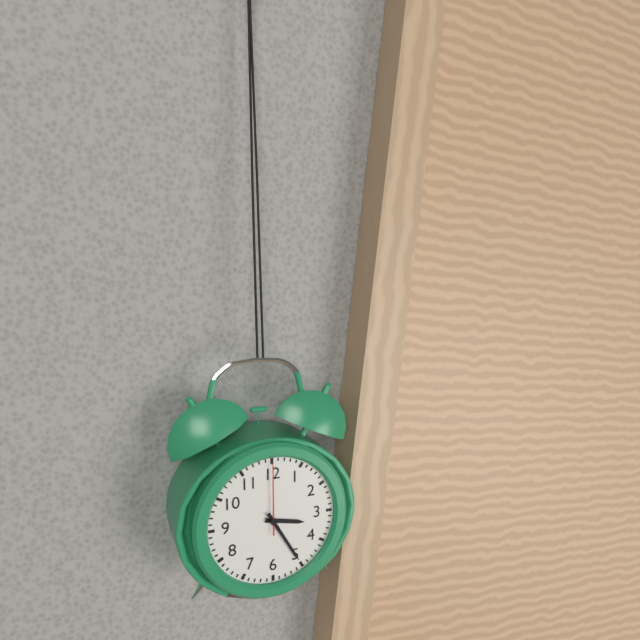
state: 3:25:00
